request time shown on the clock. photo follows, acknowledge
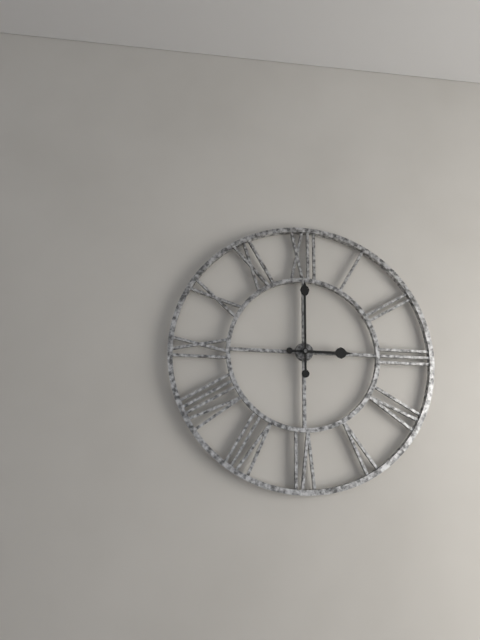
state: 3:00
